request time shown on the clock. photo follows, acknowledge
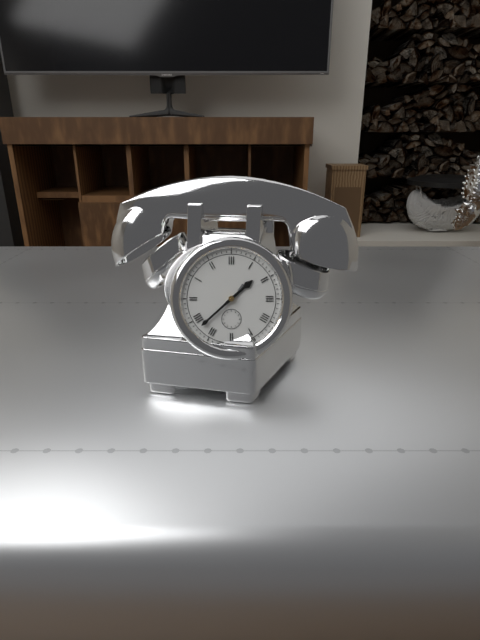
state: 1:38
